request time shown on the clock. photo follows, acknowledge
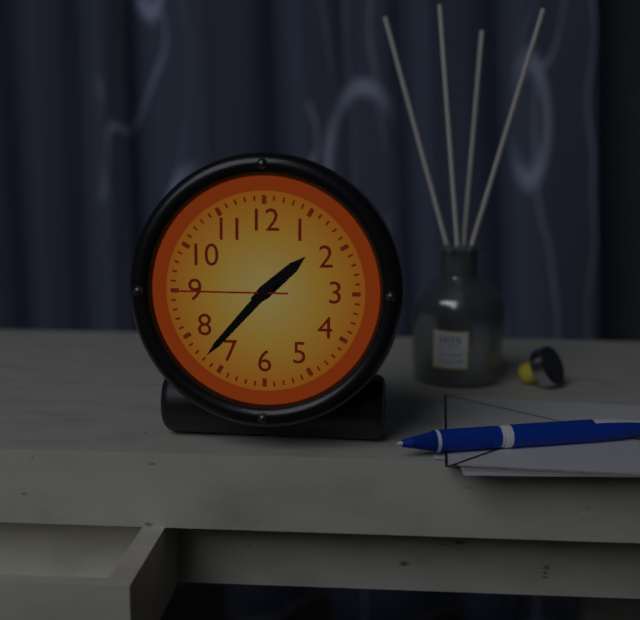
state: 1:37:45
